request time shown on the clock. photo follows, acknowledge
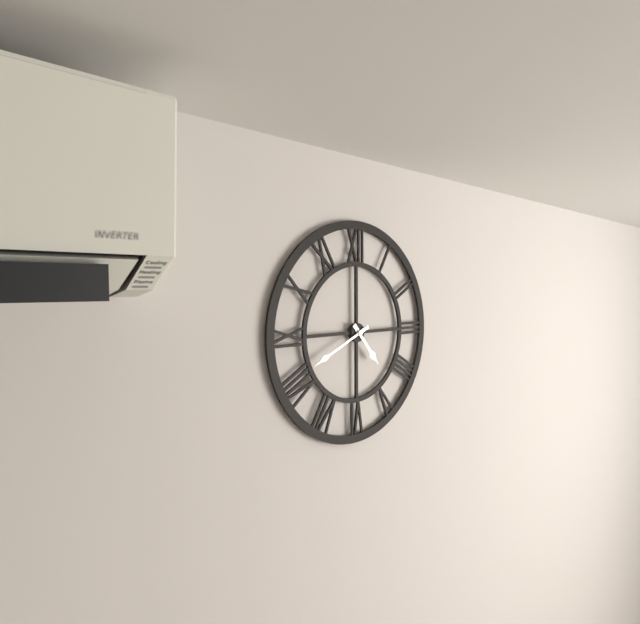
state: 4:41
